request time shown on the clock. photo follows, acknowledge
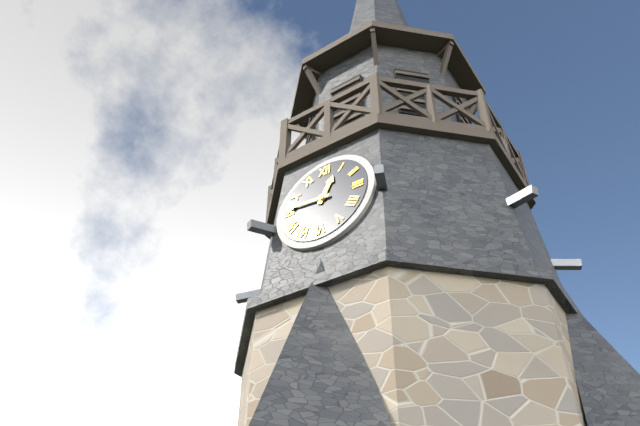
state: 12:46
